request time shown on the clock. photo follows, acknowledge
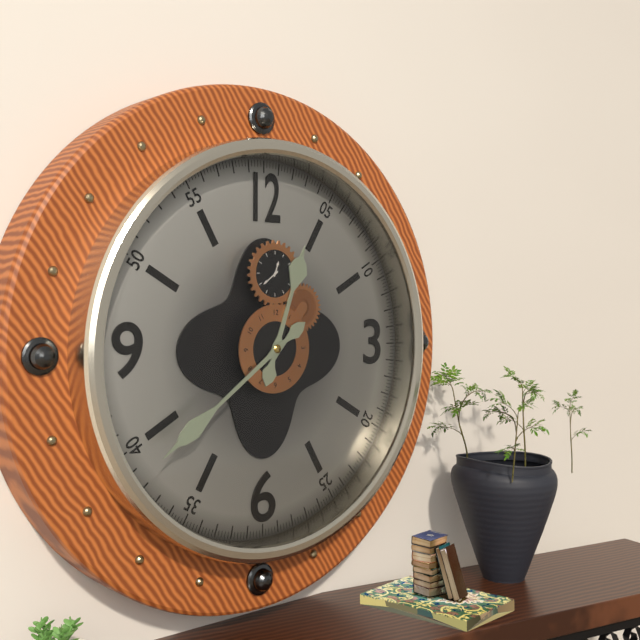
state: 12:39
